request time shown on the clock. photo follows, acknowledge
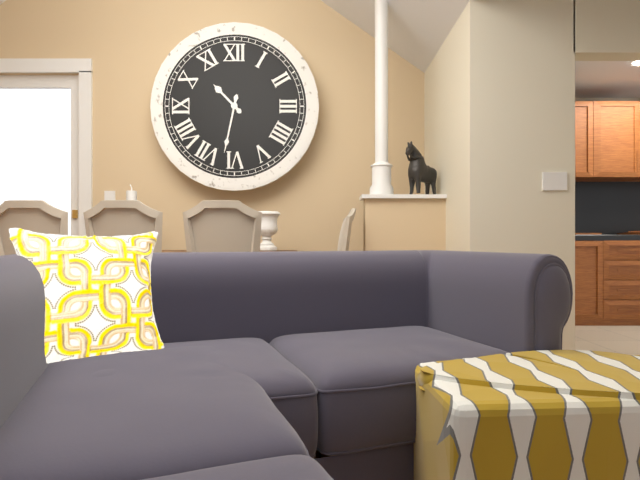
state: 10:32
